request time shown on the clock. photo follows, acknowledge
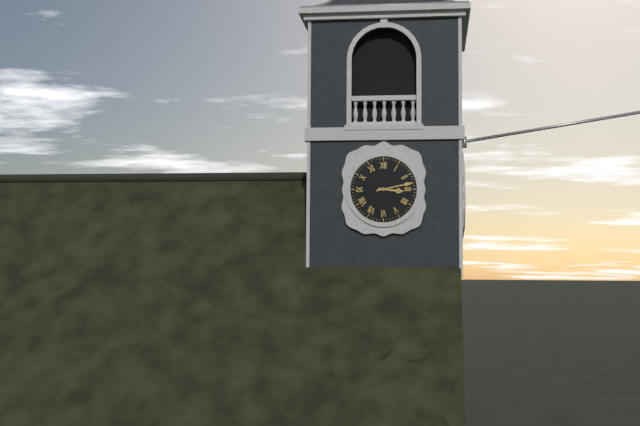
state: 3:13
